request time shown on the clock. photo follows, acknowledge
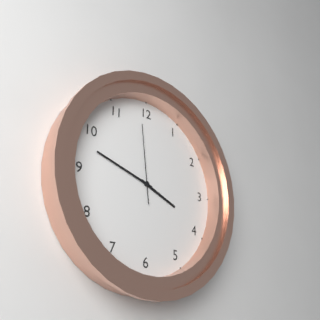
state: 3:48:59
